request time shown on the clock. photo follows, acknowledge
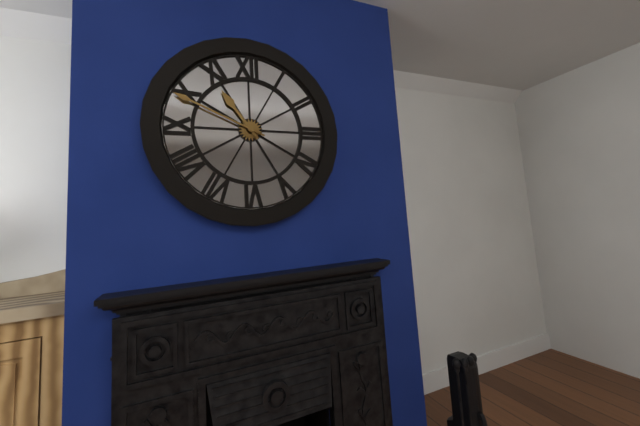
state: 10:49
